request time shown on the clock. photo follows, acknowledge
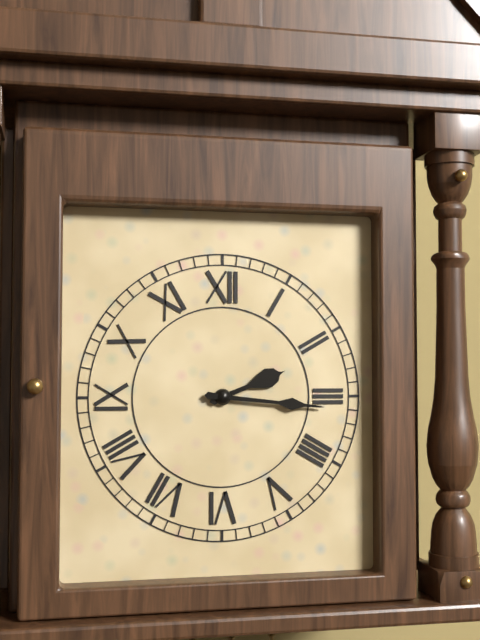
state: 2:16
